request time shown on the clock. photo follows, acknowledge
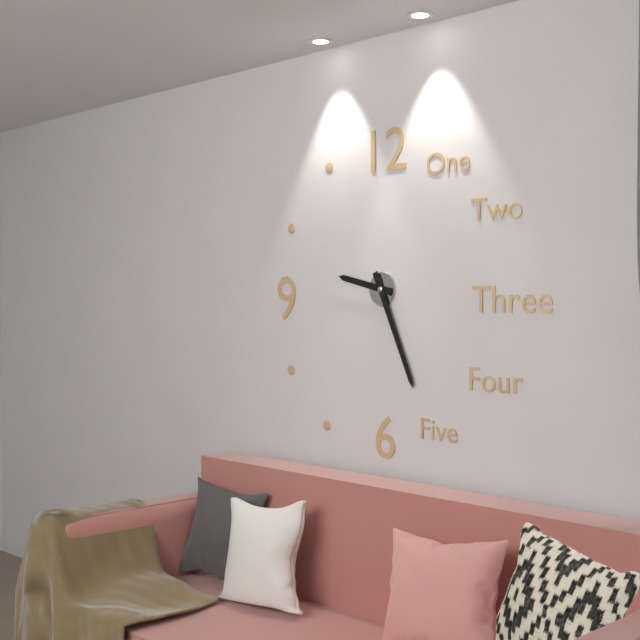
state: 9:26
